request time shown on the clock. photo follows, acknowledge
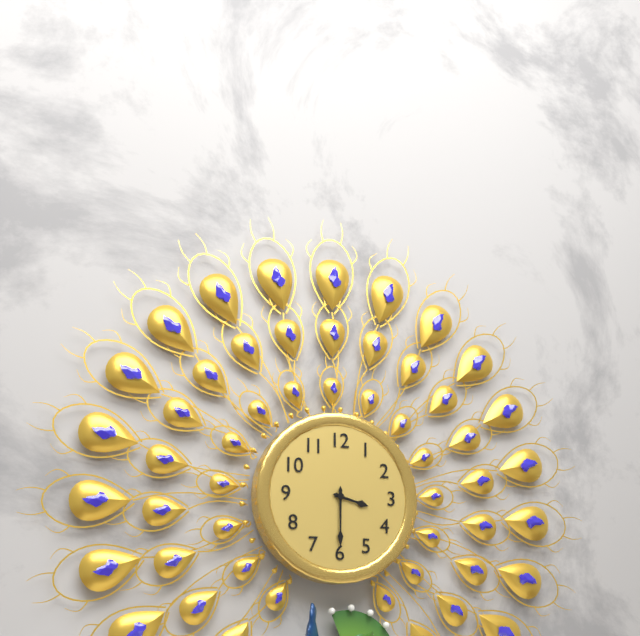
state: 3:30
